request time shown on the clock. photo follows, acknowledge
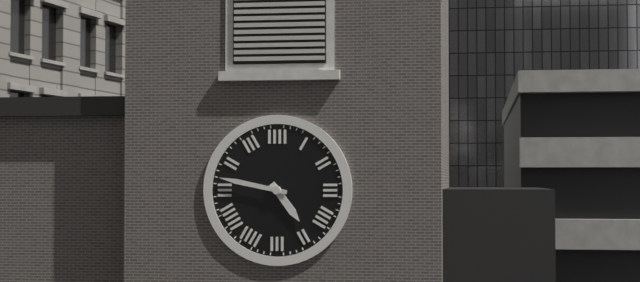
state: 4:47
